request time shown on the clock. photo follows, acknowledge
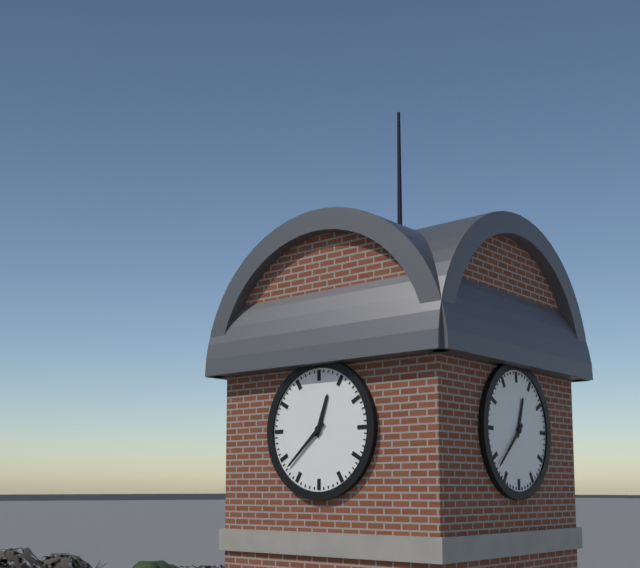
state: 12:38
